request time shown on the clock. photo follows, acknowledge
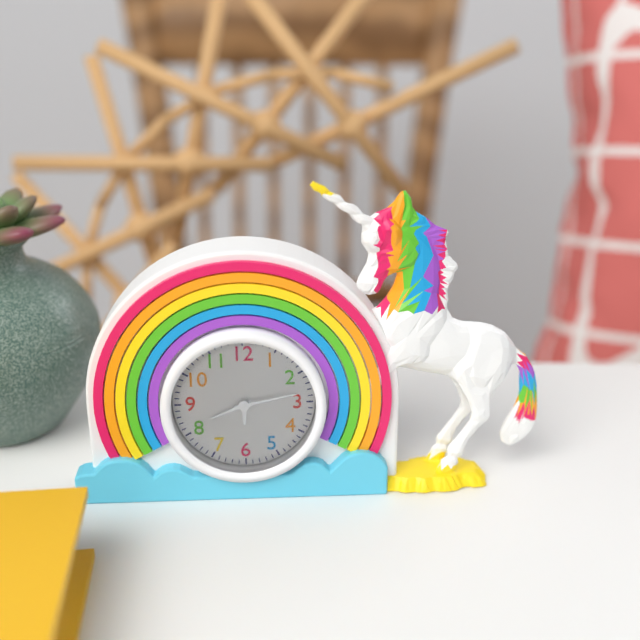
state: 8:13
